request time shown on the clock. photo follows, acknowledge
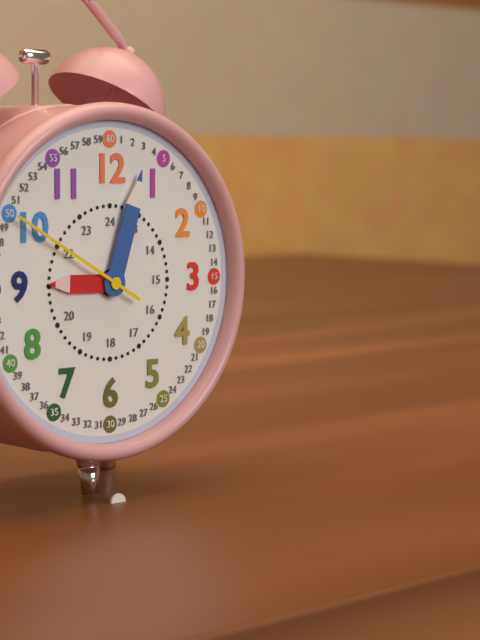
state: 9:03:50
